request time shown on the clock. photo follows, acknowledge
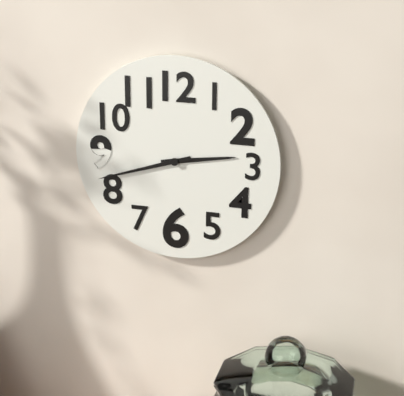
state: 2:42
